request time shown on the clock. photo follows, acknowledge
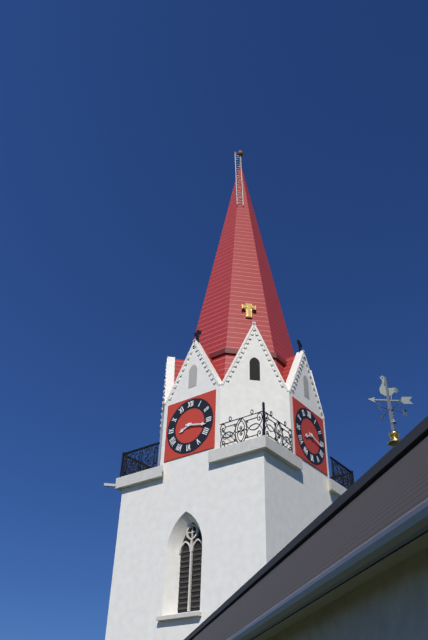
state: 8:17
